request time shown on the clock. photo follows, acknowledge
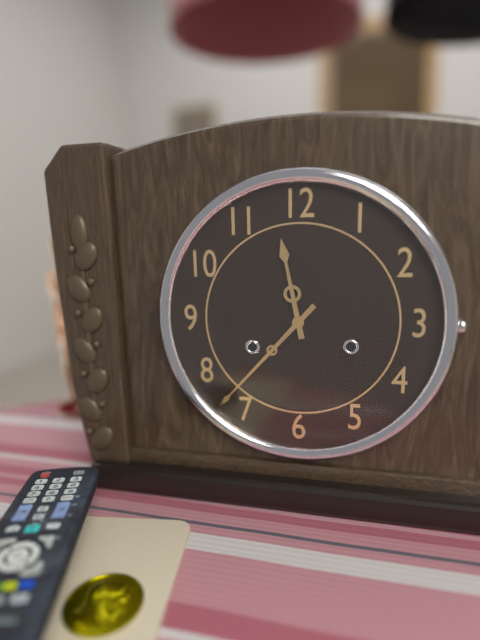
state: 11:37
